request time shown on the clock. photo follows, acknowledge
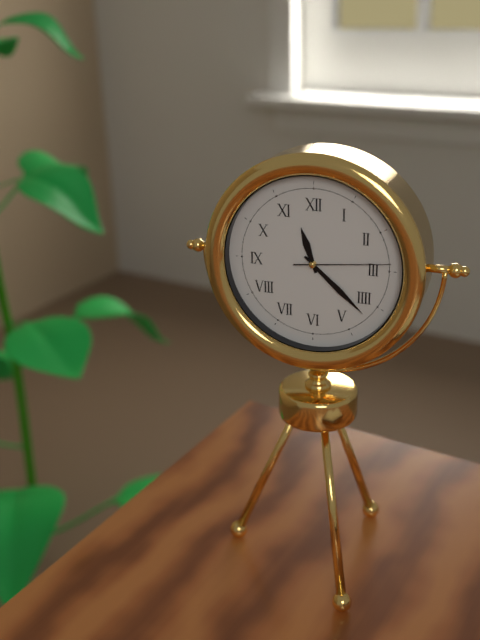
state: 11:22:14
